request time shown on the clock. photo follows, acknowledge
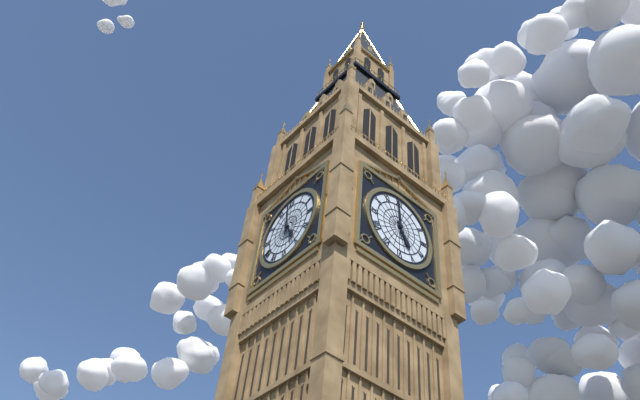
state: 4:59
